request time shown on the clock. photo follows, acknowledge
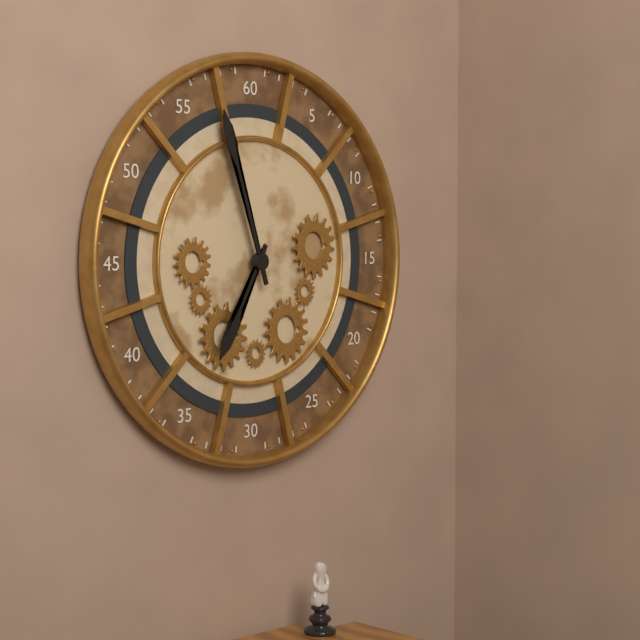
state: 6:57
